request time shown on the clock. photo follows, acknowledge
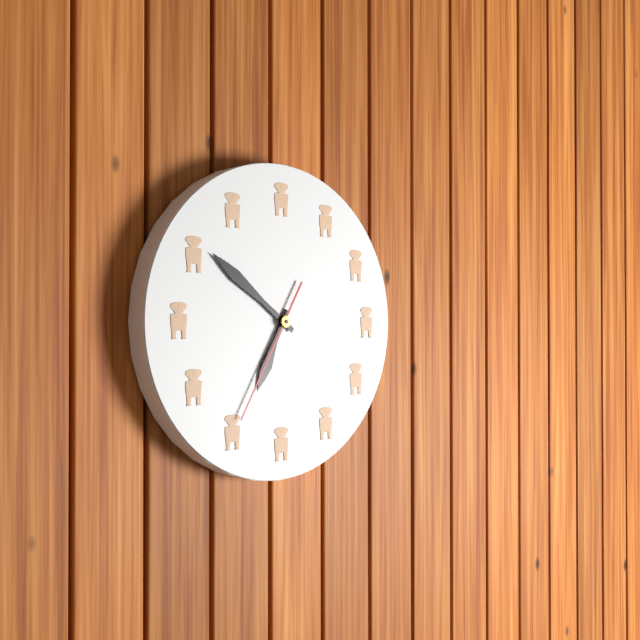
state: 6:51:35
